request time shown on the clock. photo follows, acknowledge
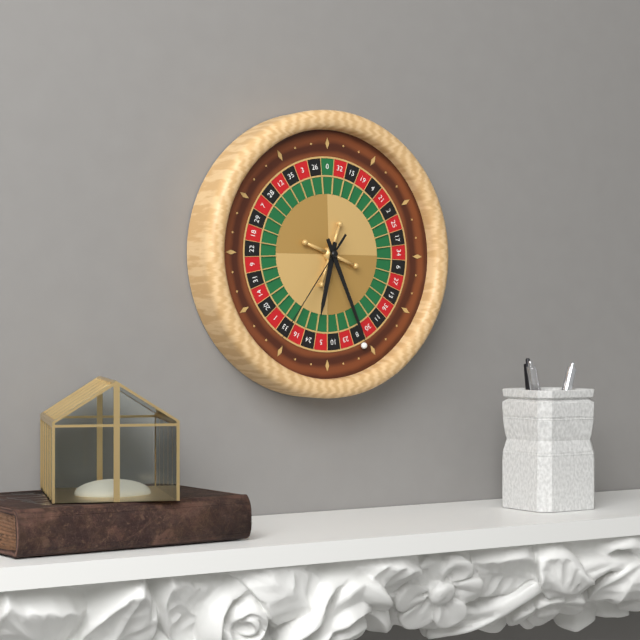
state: 6:26:36
